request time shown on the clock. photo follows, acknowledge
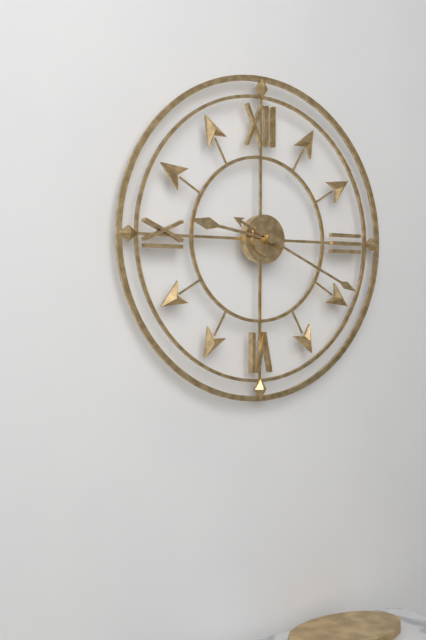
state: 9:19
